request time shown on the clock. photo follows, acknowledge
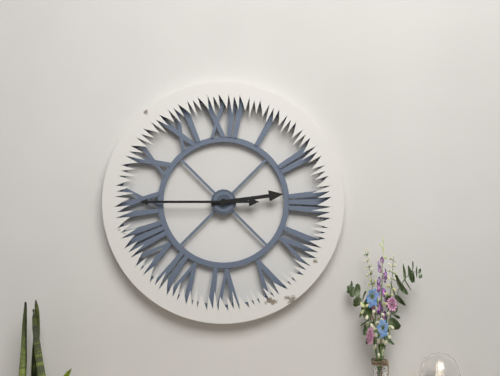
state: 2:45
